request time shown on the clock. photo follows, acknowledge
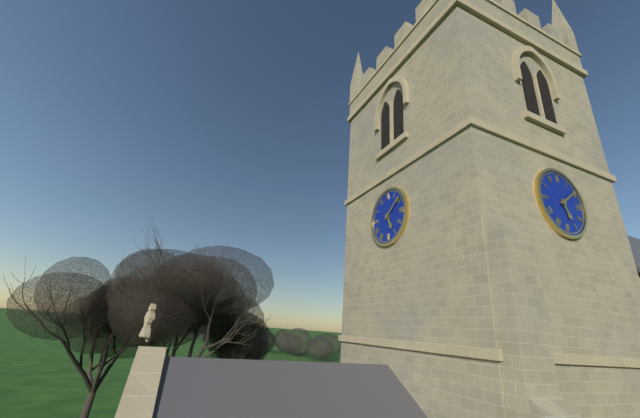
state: 5:09
